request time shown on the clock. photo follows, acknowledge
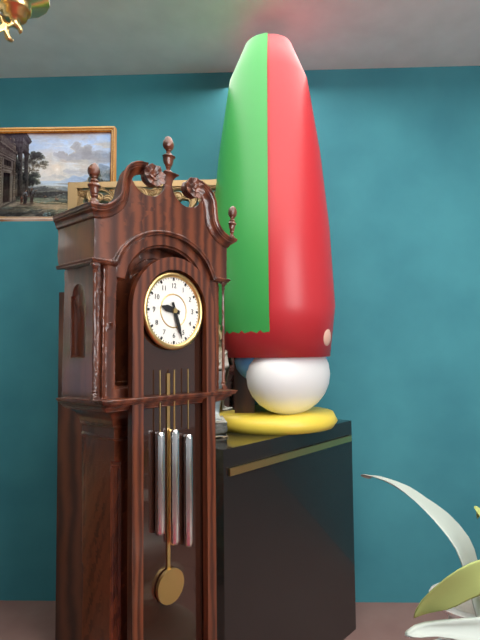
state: 9:27
